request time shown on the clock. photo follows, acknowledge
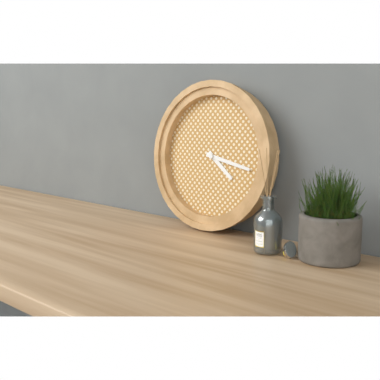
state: 4:17
